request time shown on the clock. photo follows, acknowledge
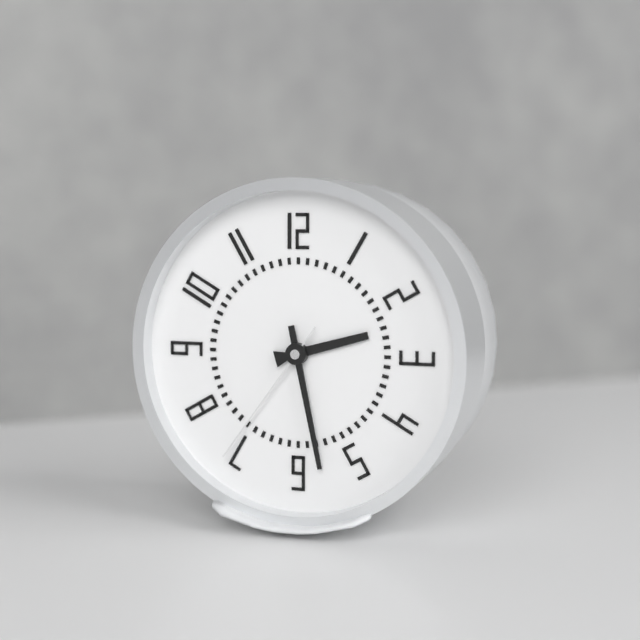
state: 2:28:36
